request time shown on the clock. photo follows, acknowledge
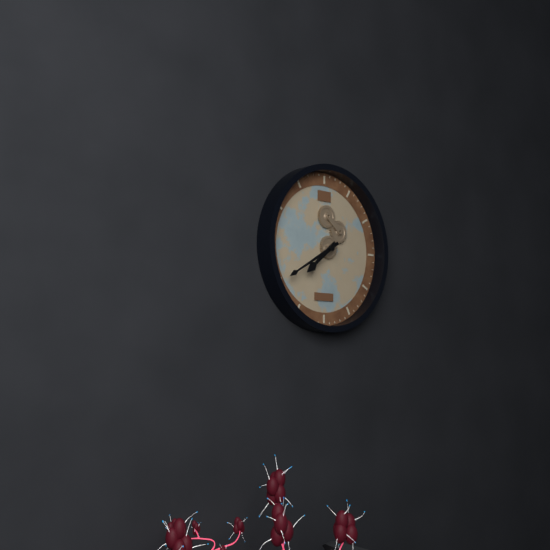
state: 7:40
